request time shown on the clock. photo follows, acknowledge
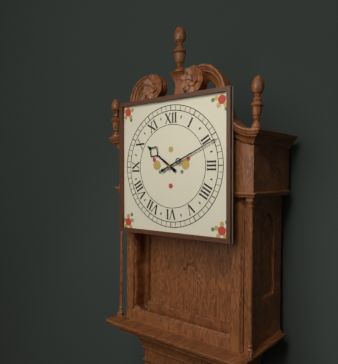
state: 10:11
